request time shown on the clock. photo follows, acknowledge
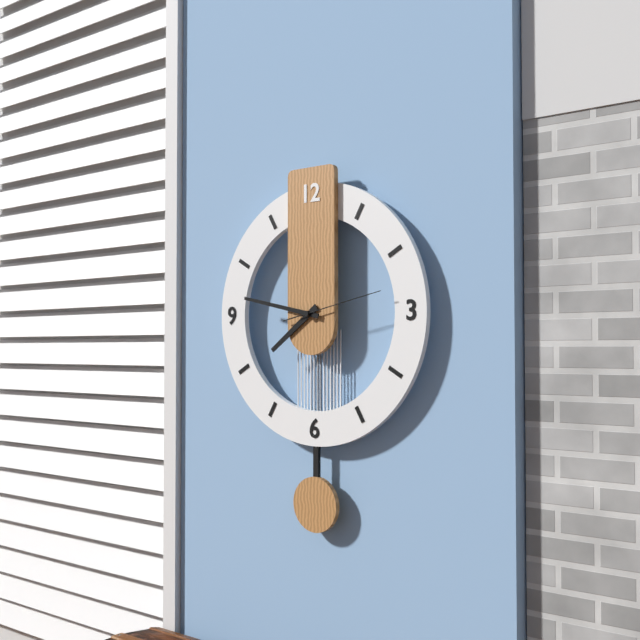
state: 7:47:13
